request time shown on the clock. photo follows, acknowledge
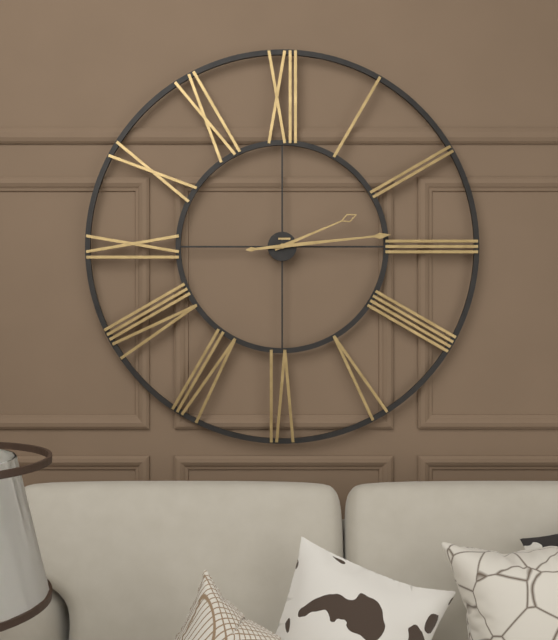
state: 2:14
